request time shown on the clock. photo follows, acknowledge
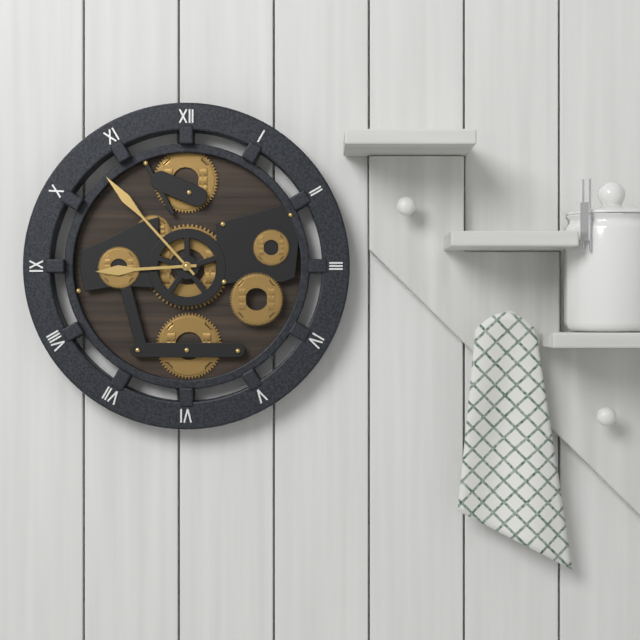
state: 8:53
